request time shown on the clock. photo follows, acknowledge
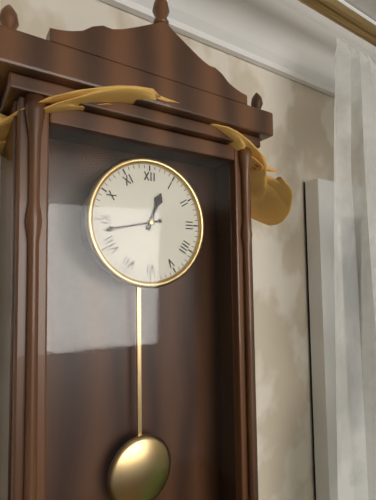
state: 12:43
